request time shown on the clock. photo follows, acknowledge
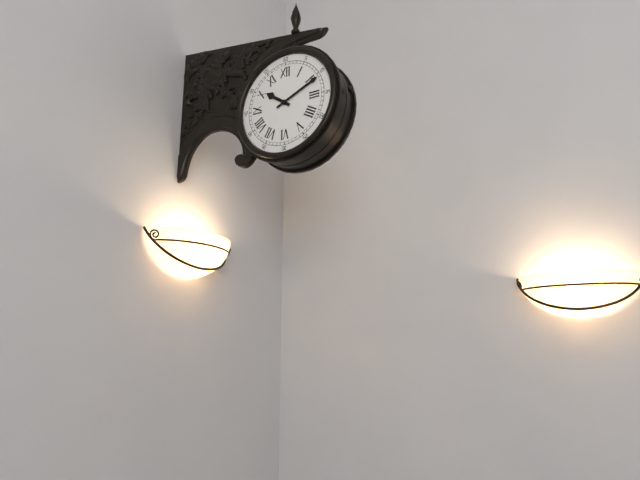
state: 10:11
